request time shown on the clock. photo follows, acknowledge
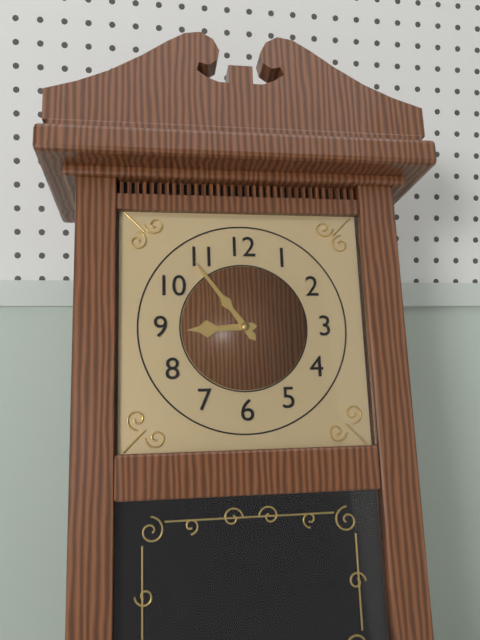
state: 8:54
